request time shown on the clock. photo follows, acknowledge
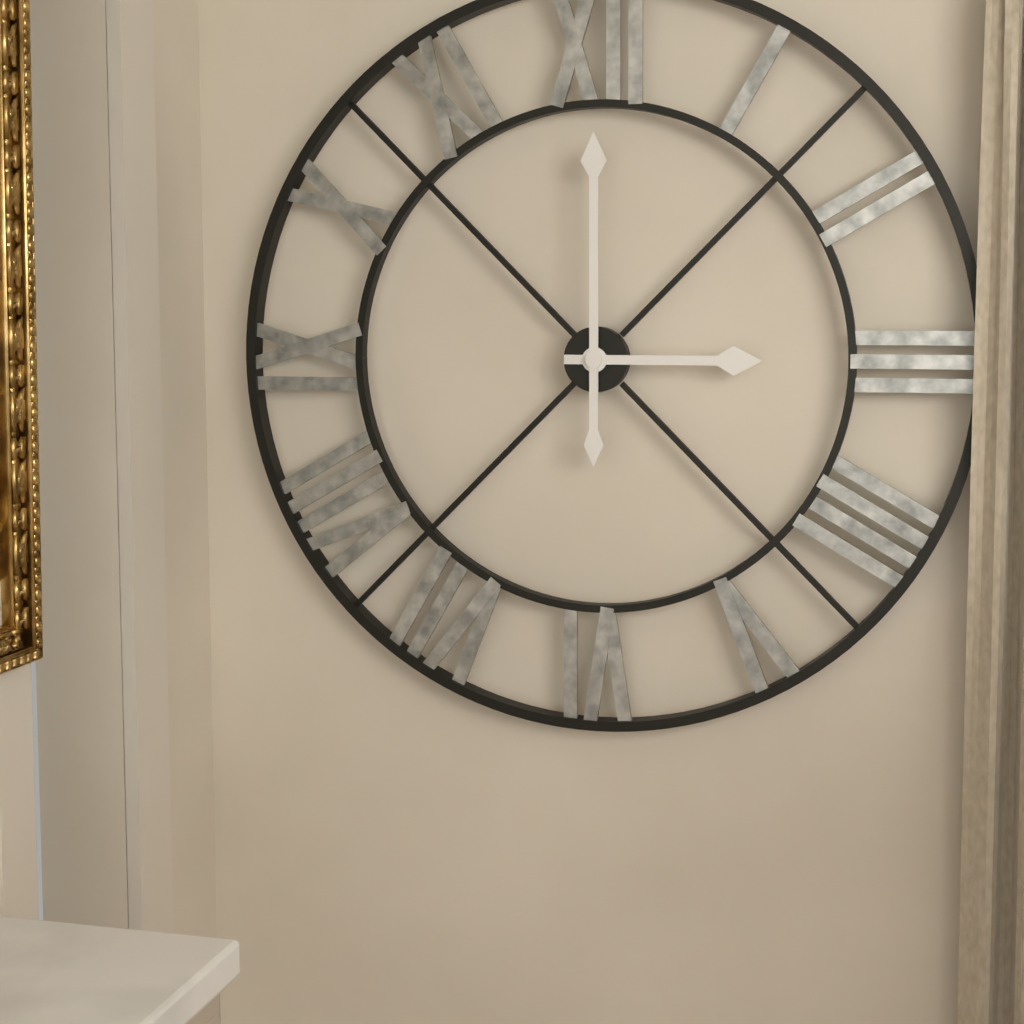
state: 3:00
